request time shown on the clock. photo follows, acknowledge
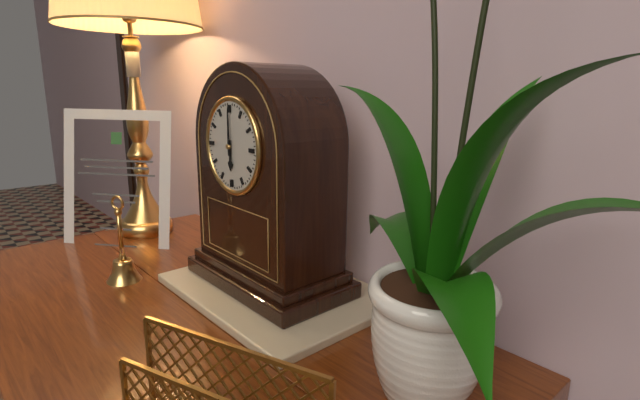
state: 6:00
